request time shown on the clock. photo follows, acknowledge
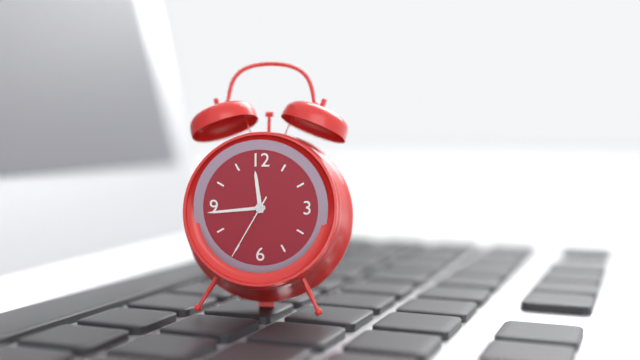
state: 11:44:35
